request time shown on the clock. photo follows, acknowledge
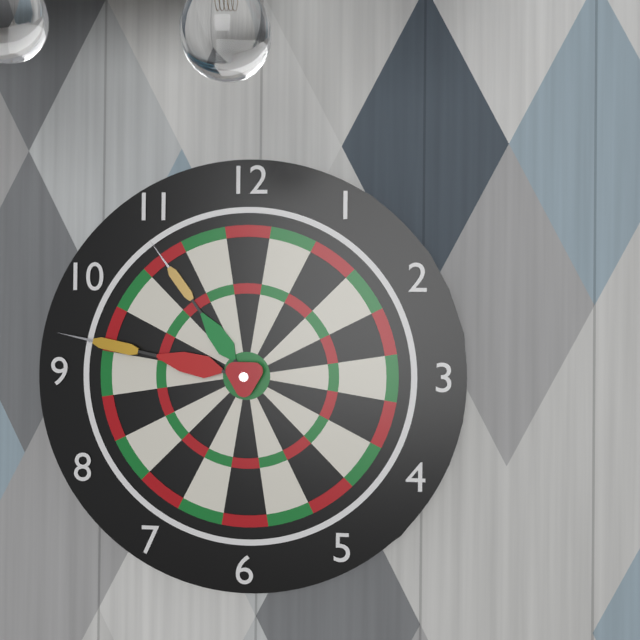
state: 10:47
